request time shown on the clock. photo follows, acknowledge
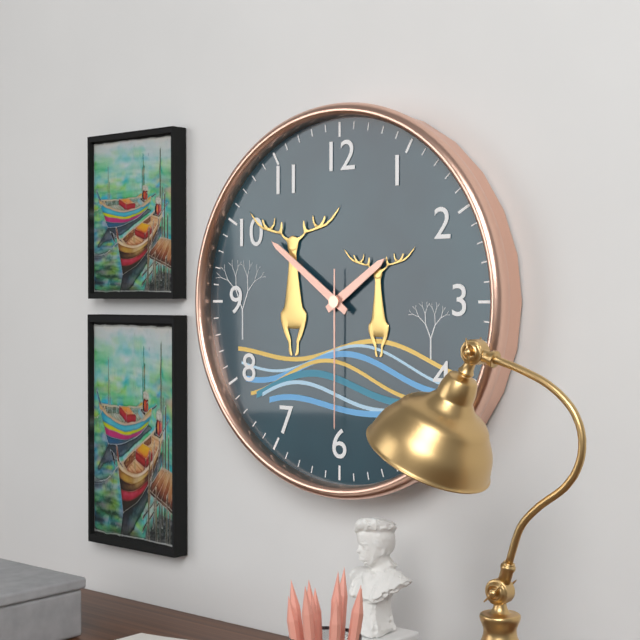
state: 1:51:30
